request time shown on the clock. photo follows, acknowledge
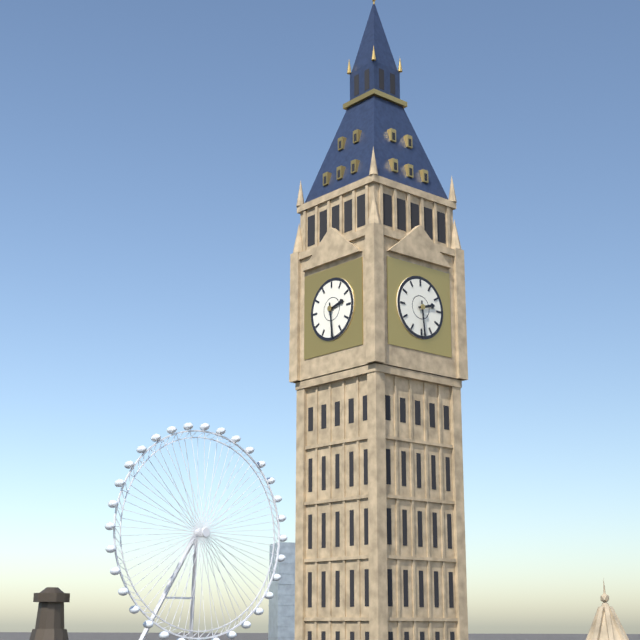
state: 2:29
